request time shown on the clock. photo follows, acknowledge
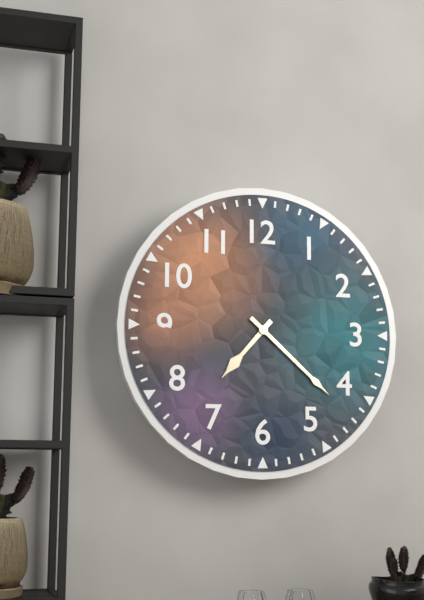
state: 7:22
